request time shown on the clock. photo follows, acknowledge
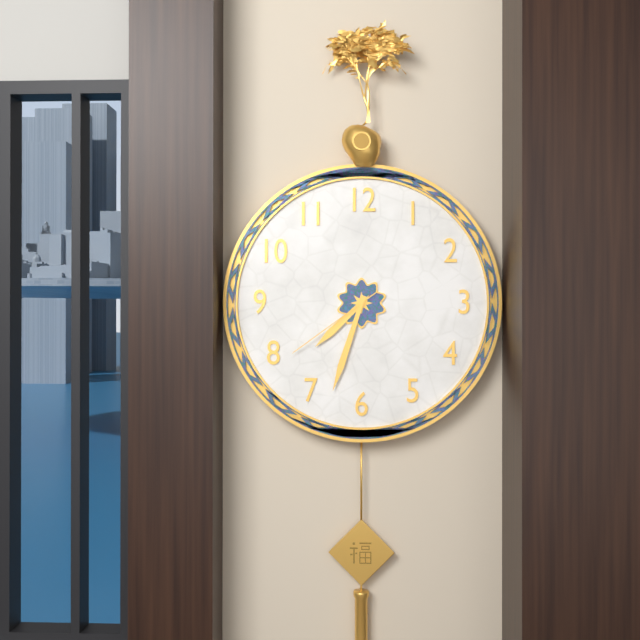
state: 7:33:39
